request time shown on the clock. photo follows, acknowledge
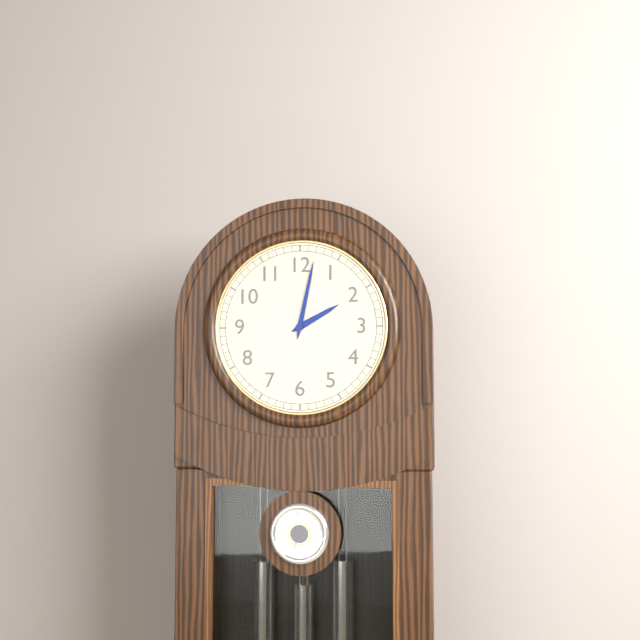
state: 2:02
